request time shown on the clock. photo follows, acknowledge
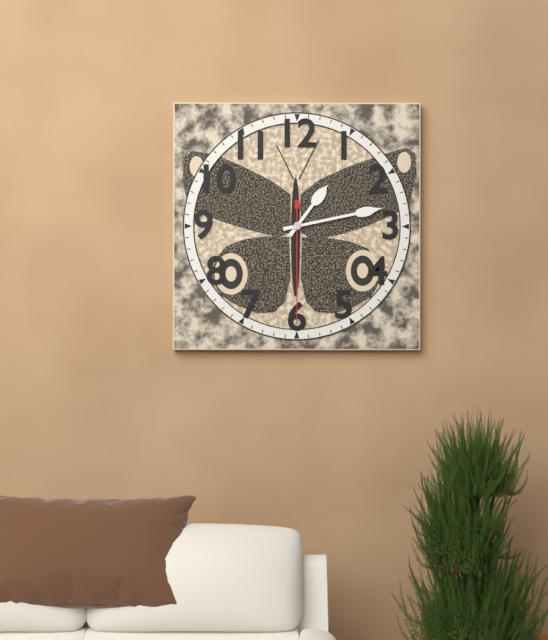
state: 1:13:30
